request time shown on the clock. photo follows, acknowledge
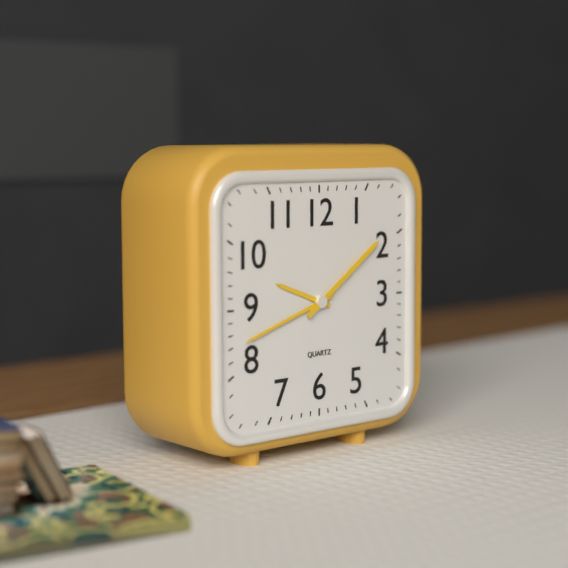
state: 9:42:09
